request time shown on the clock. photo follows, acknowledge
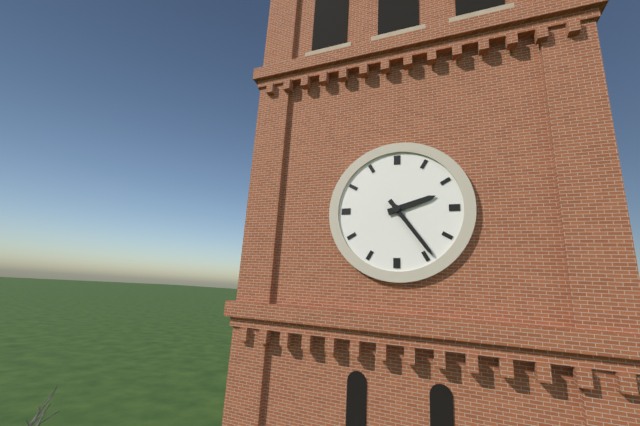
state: 2:24
